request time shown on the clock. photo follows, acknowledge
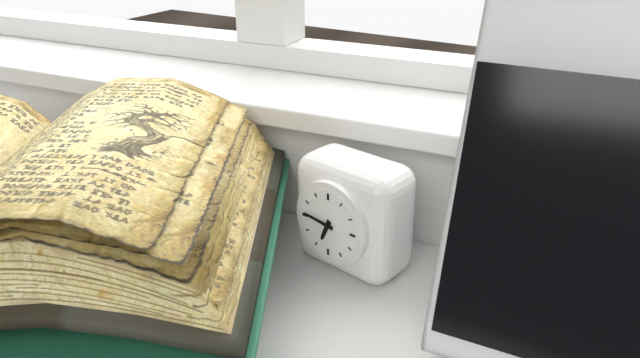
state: 6:46
